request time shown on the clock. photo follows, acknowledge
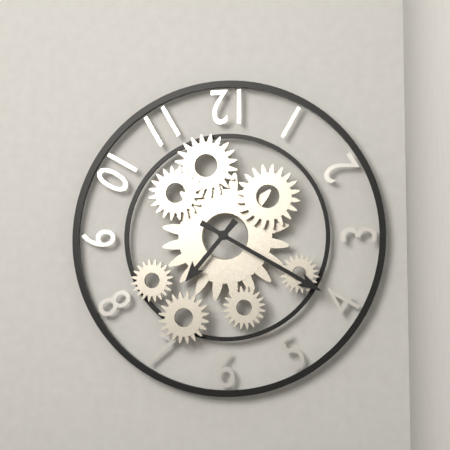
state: 7:20
